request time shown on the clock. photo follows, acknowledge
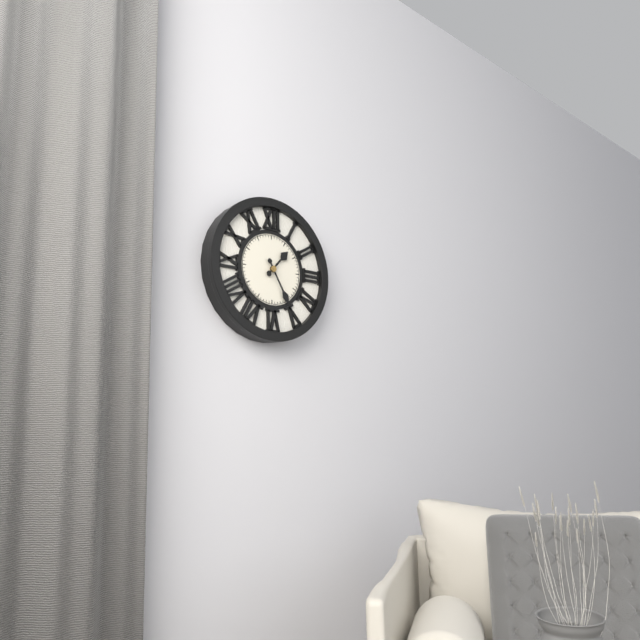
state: 1:25
